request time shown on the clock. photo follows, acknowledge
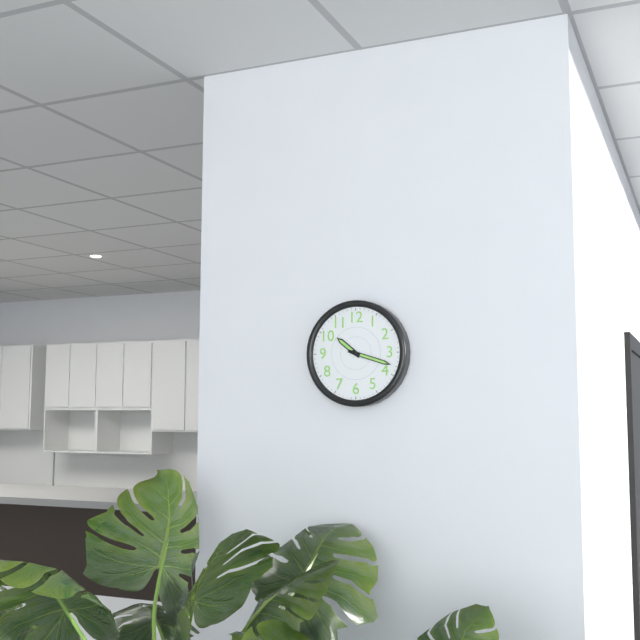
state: 10:18
